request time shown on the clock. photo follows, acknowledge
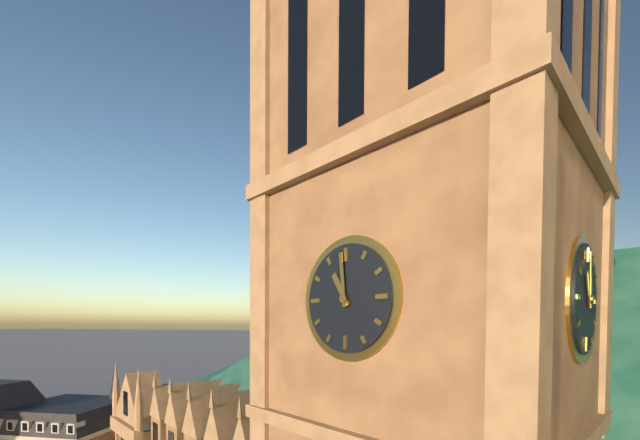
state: 10:59
